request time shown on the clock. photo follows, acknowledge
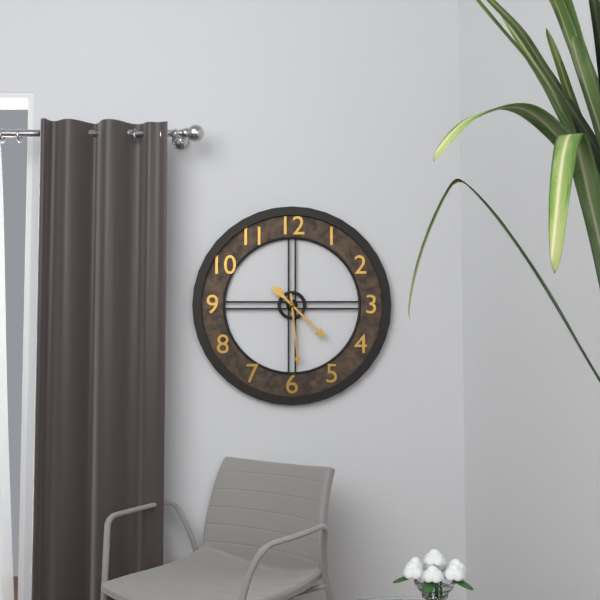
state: 4:29
